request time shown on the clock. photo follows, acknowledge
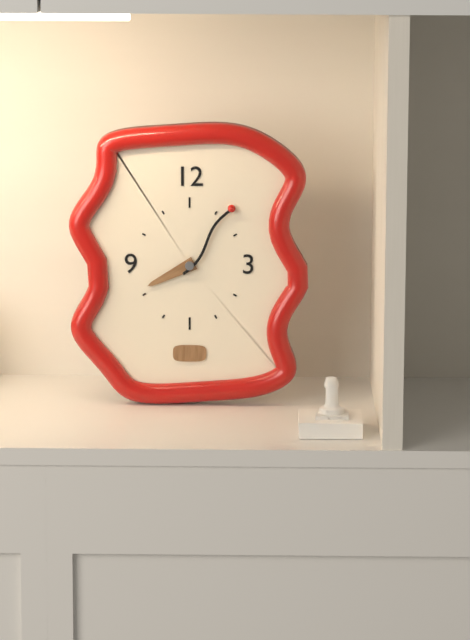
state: 8:06
